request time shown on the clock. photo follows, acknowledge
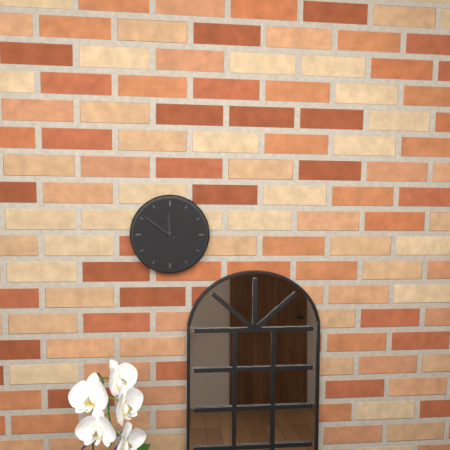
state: 11:51
